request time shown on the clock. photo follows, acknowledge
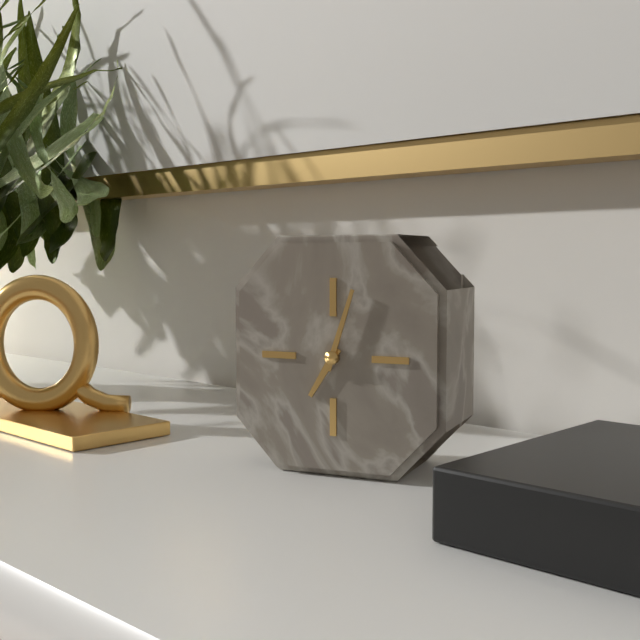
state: 7:03
